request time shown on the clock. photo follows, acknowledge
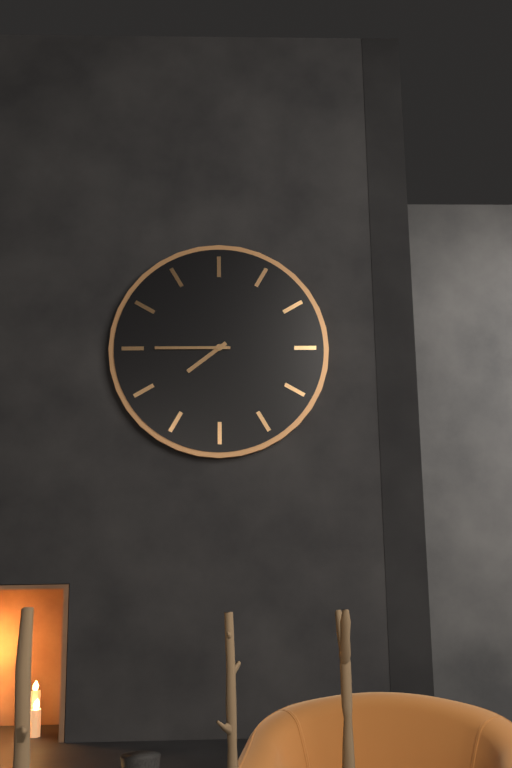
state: 7:45
